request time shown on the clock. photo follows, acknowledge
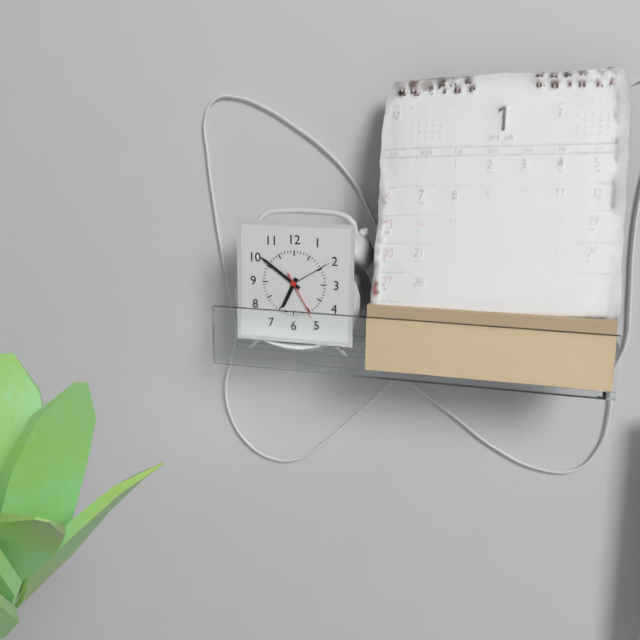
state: 6:51
